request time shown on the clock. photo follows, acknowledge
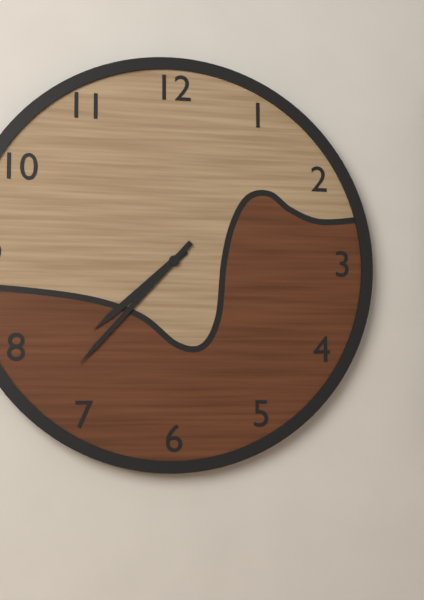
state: 7:37
